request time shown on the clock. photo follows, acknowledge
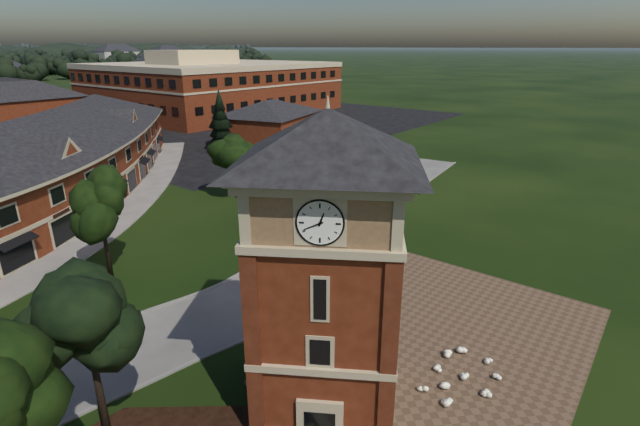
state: 12:41
